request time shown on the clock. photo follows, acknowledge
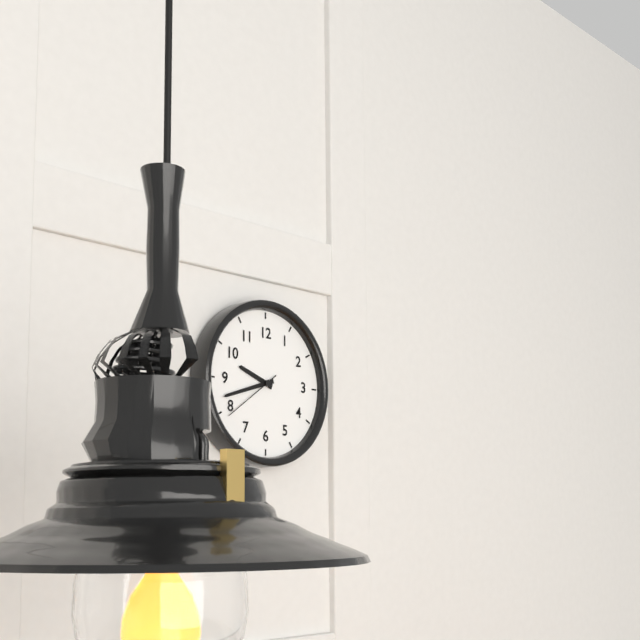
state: 9:42:39
